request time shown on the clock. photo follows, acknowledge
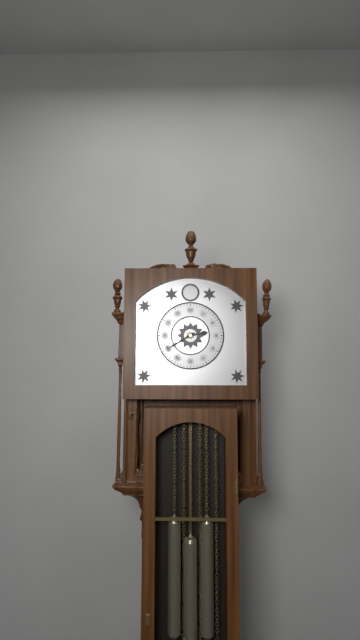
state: 2:40
